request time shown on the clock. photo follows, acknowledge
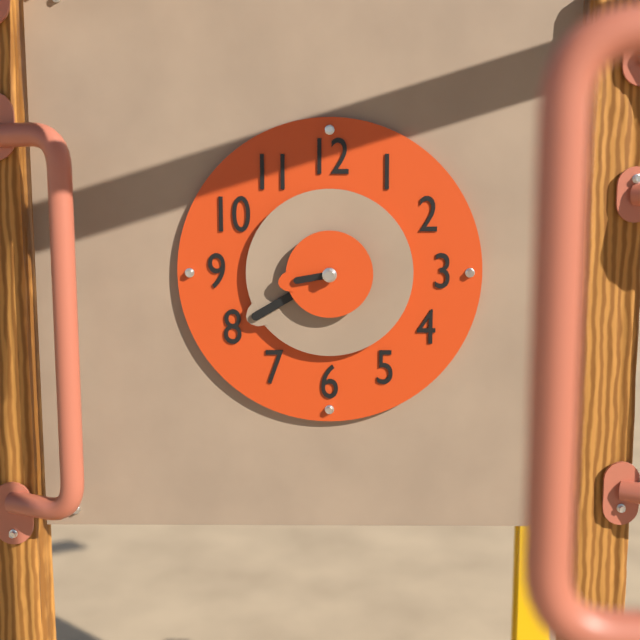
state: 8:40
